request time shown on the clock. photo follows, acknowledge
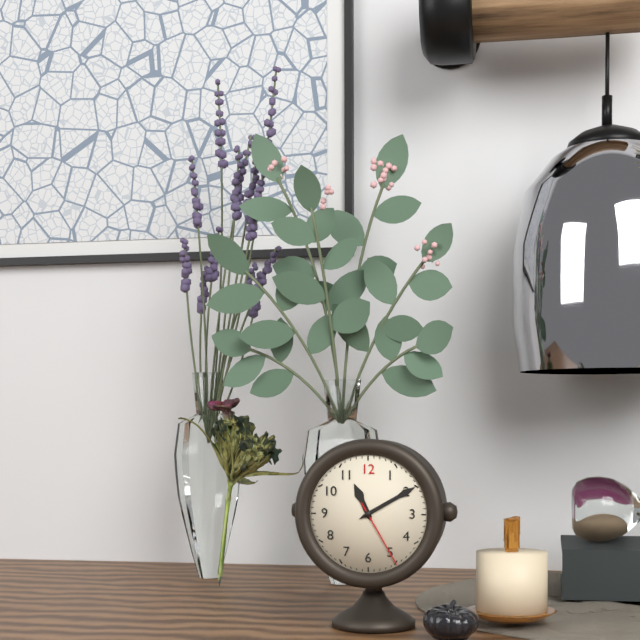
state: 11:10:25
